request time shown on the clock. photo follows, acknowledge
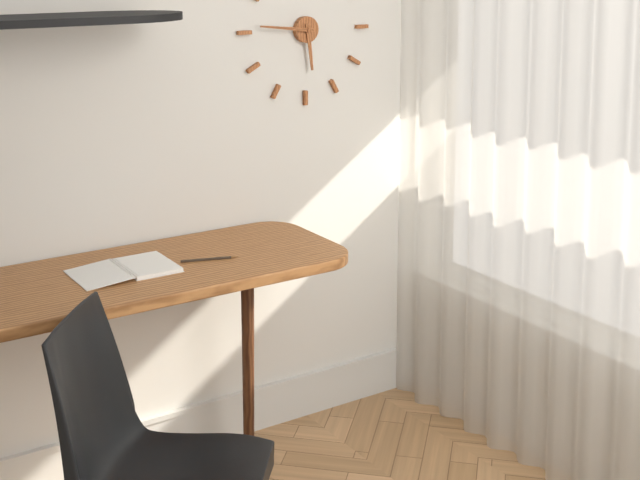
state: 5:46
